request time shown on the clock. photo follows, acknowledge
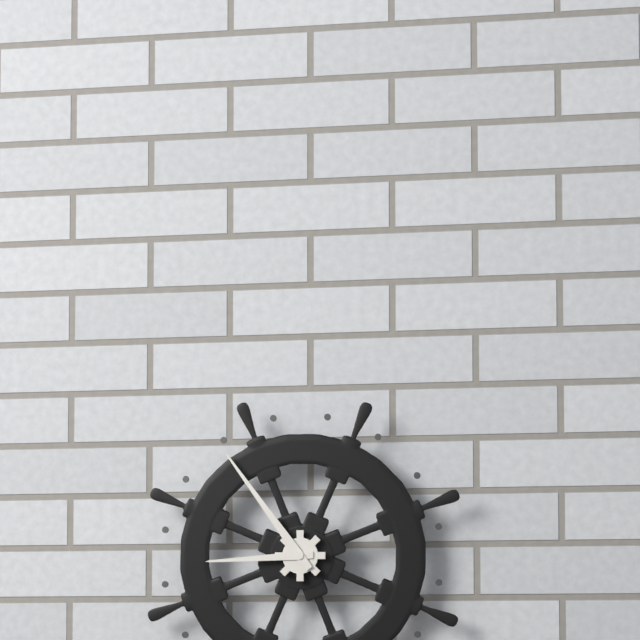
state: 8:54
